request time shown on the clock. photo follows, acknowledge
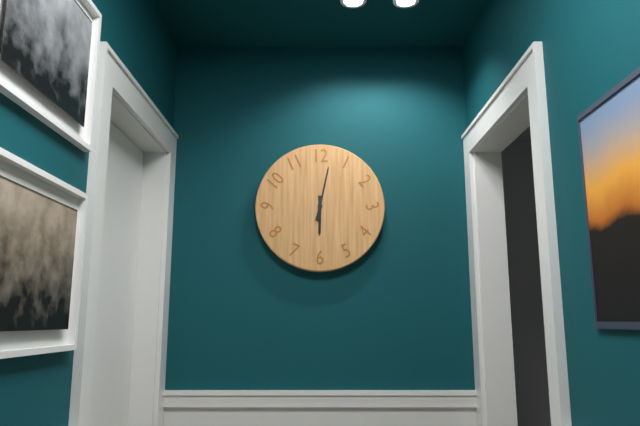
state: 6:02
